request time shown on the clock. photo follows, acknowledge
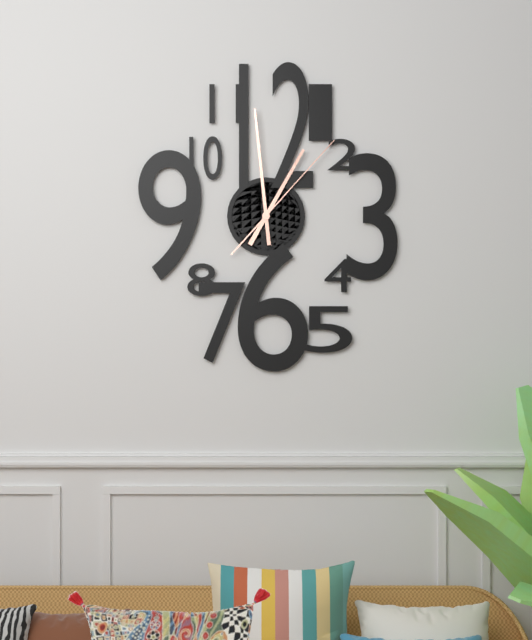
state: 12:59:07
